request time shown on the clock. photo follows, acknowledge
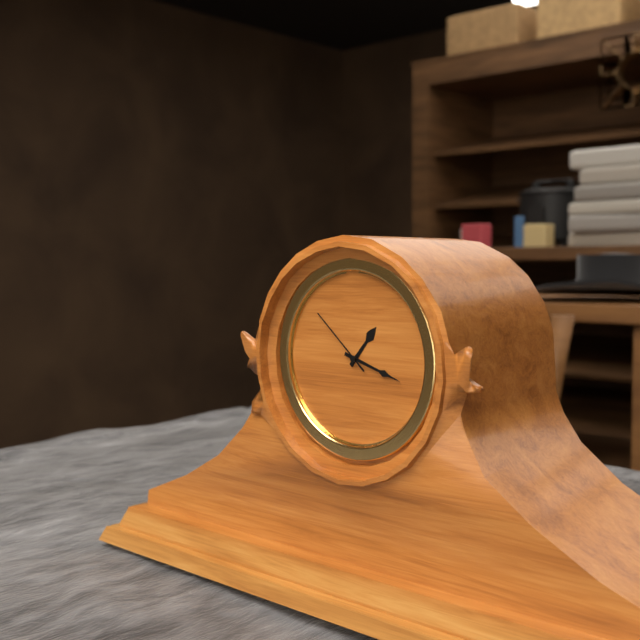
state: 1:18:52
